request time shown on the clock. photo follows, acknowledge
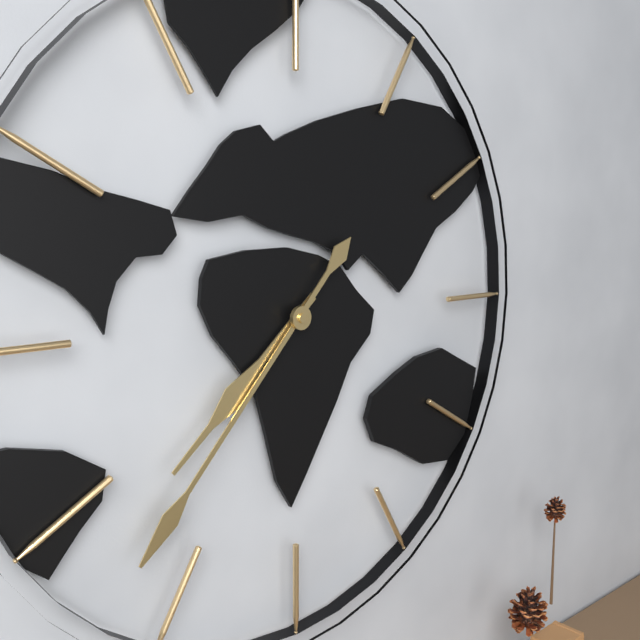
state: 7:37
